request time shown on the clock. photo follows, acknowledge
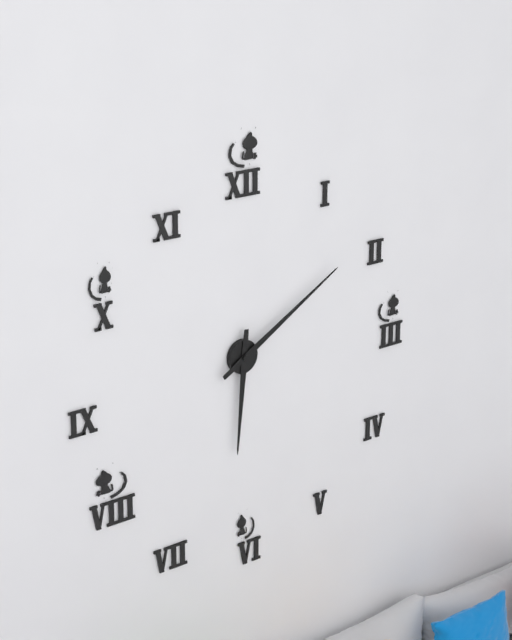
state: 6:10
